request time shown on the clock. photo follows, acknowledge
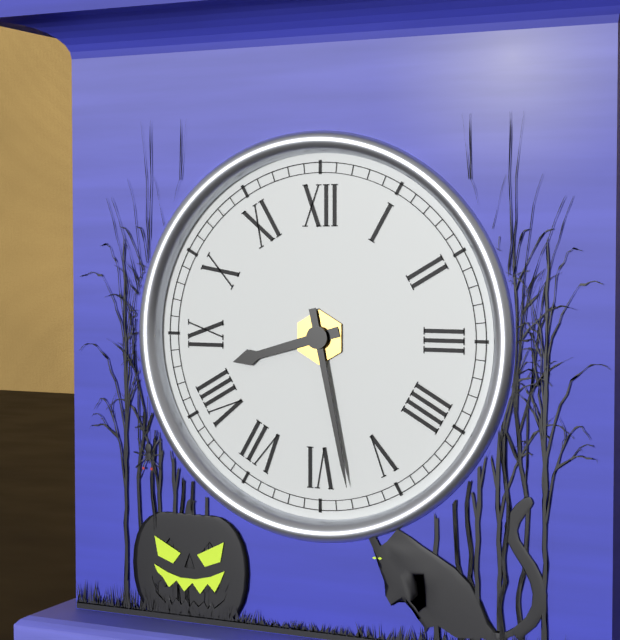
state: 8:28
